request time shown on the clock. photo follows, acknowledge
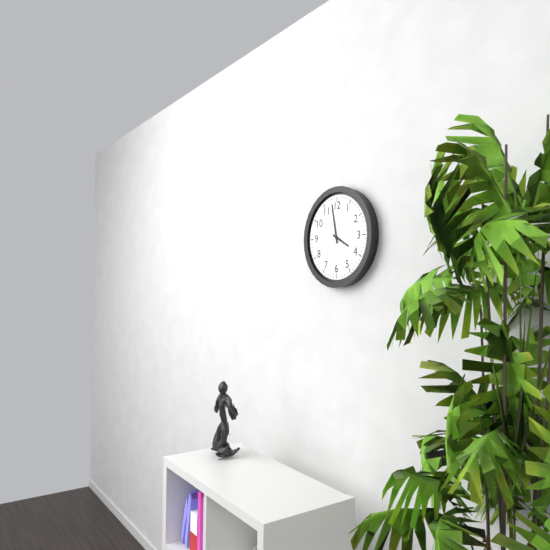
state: 3:58
